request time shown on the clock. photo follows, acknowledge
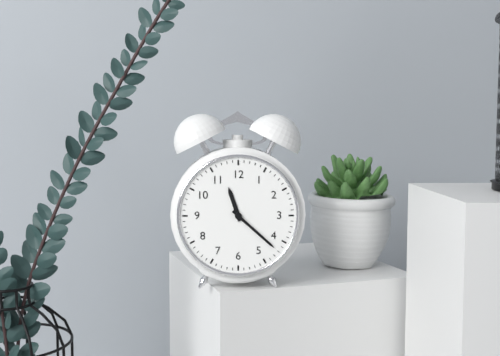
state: 11:22
